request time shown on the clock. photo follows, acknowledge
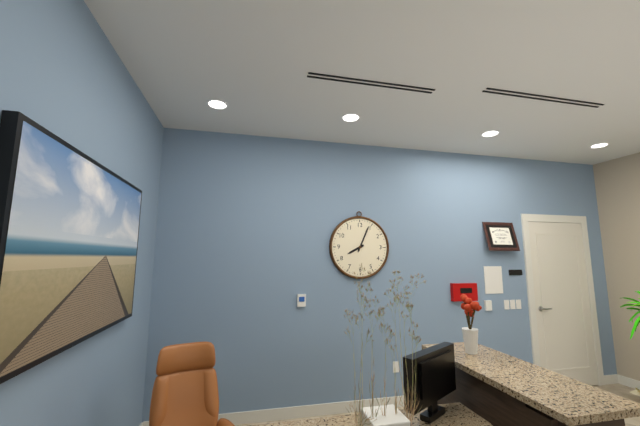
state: 8:04
